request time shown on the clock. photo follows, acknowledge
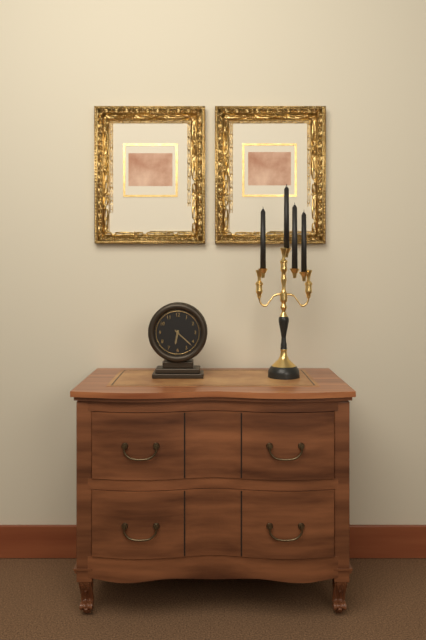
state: 6:22
